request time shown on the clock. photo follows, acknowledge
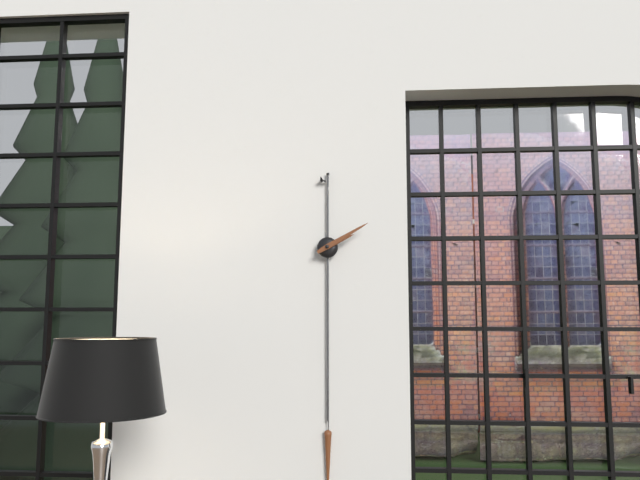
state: 2:10
